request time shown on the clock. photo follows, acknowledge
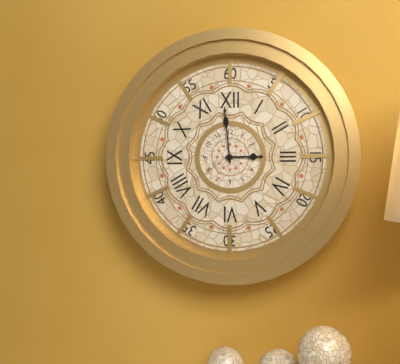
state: 2:59
